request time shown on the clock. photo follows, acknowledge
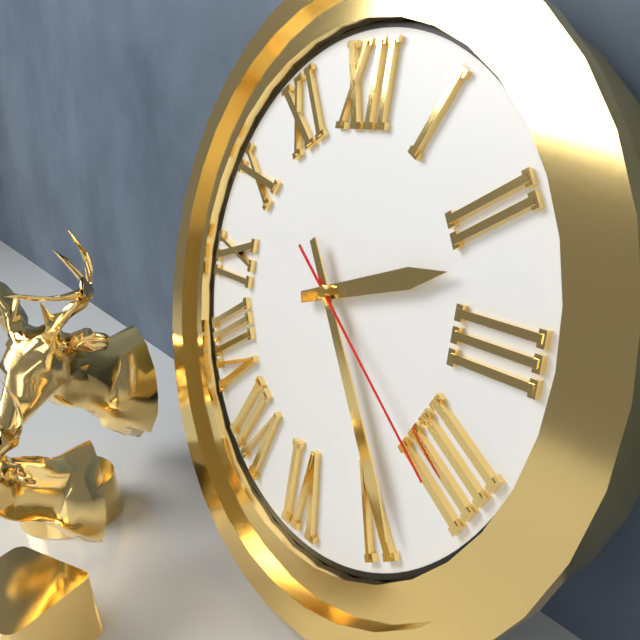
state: 2:24:21
